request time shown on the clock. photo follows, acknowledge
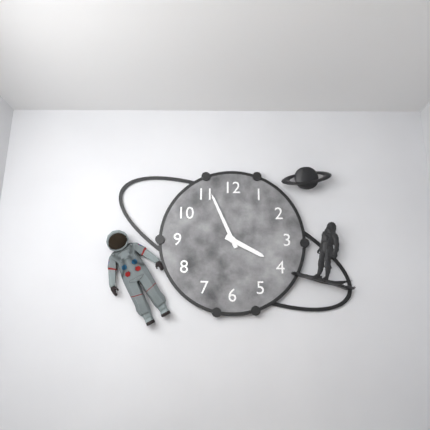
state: 3:56
